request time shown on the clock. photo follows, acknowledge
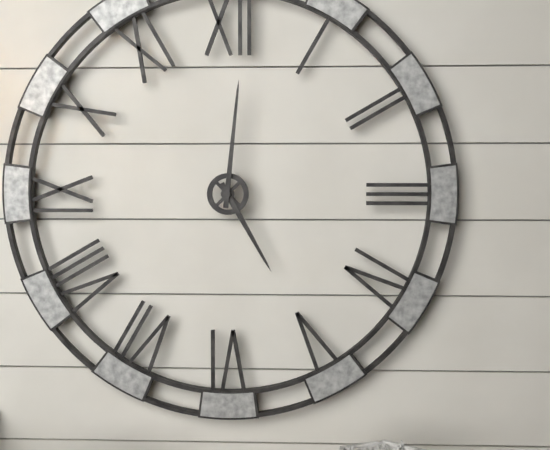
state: 5:01
